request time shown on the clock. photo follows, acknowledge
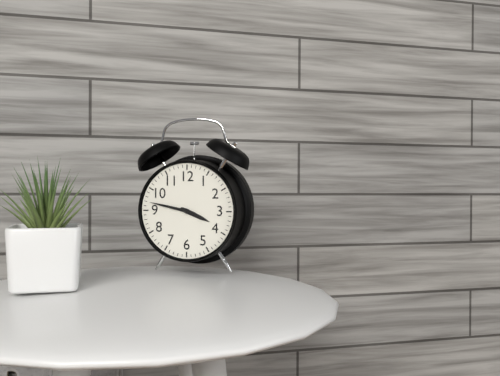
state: 3:47
